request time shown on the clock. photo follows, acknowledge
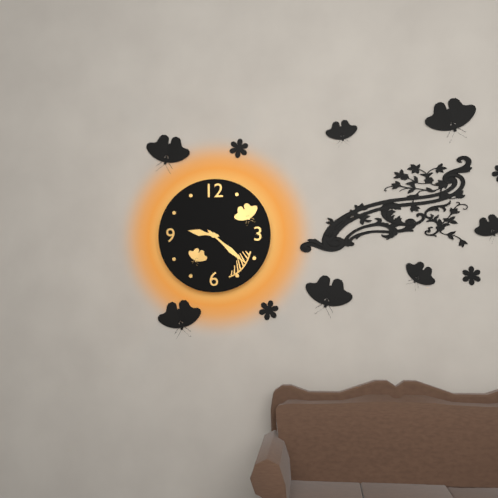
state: 9:22
